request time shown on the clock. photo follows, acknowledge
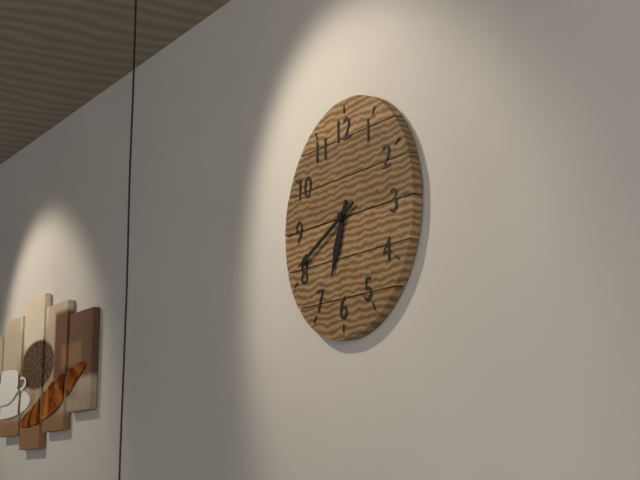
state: 6:41
